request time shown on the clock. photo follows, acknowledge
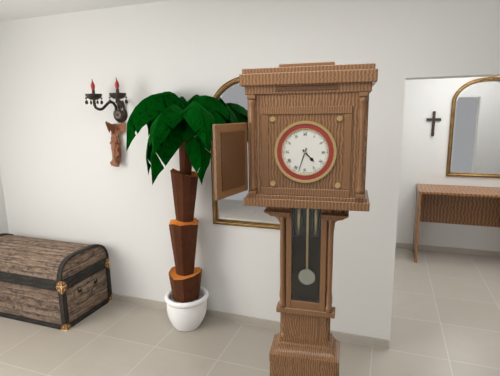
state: 4:33
